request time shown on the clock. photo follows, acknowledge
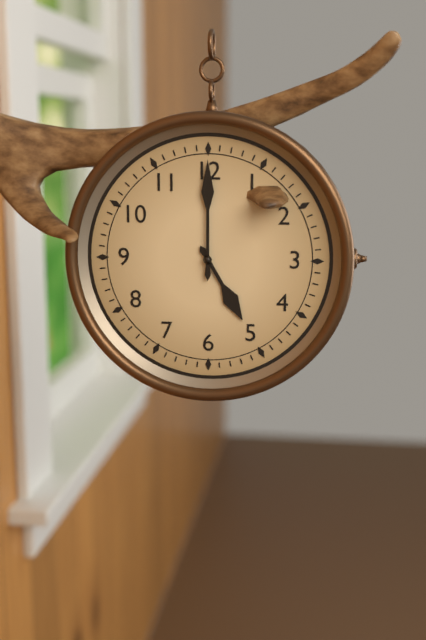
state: 5:00
